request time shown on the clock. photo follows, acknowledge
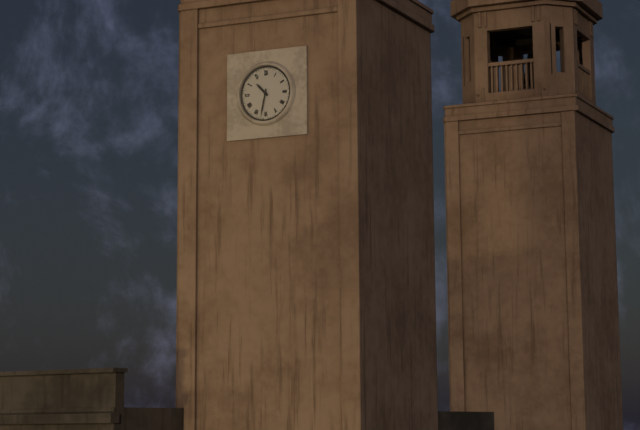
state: 10:32
